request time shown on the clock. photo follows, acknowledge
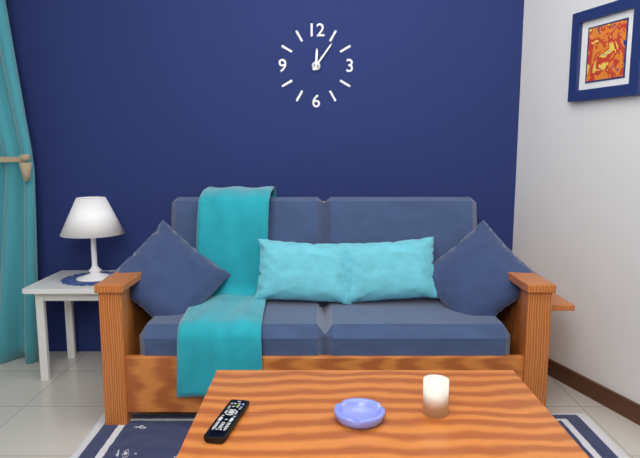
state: 12:06
